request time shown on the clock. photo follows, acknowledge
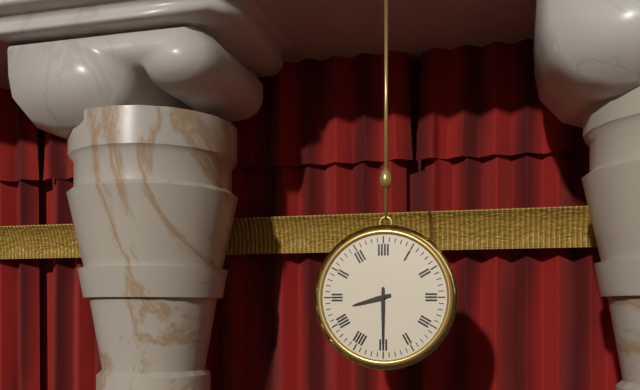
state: 8:30
